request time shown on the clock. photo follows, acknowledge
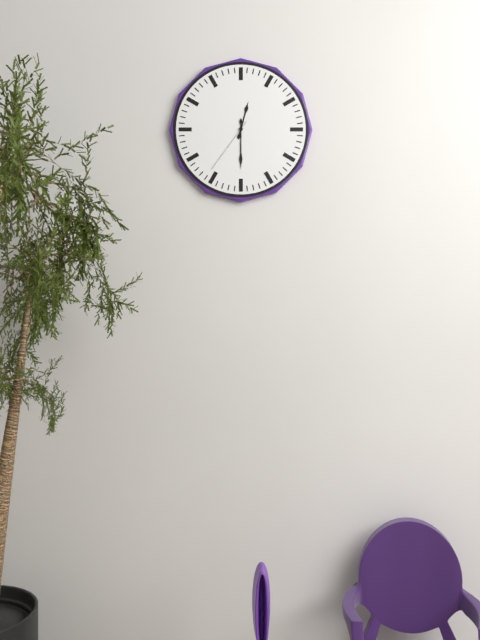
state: 12:30:36
